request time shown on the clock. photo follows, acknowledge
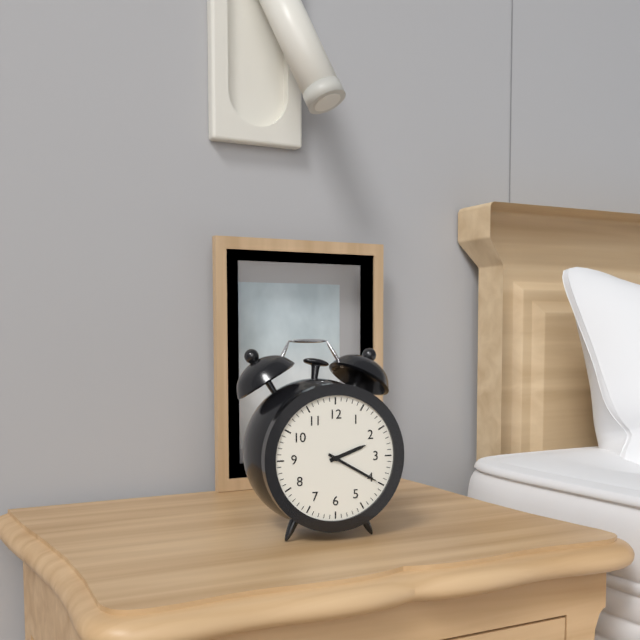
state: 2:20
